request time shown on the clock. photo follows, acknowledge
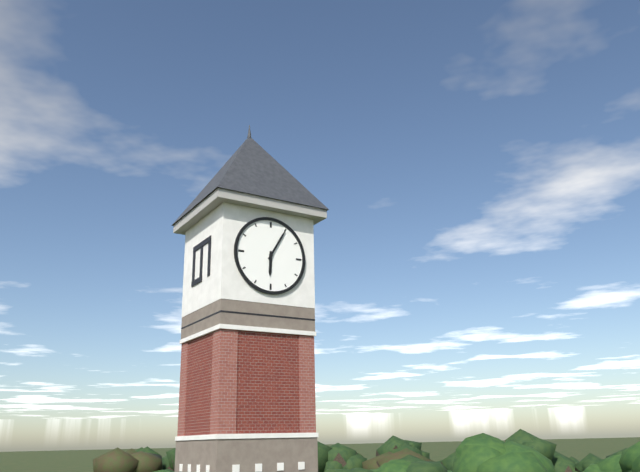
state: 6:05
